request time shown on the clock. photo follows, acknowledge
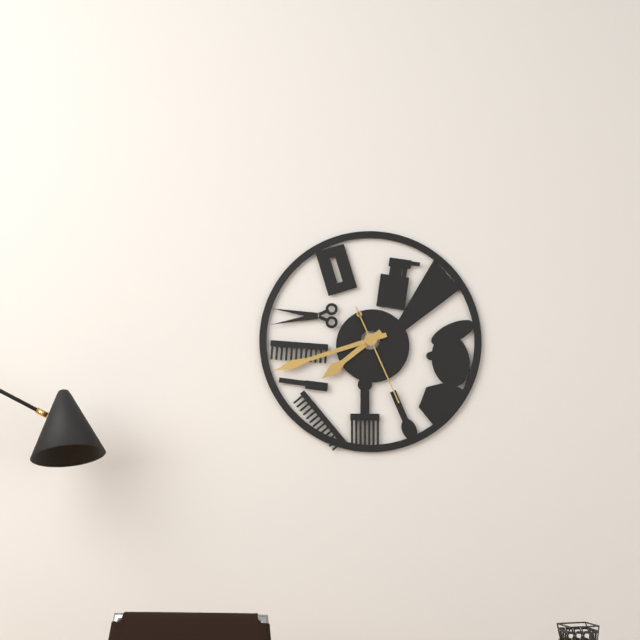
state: 7:42:26
